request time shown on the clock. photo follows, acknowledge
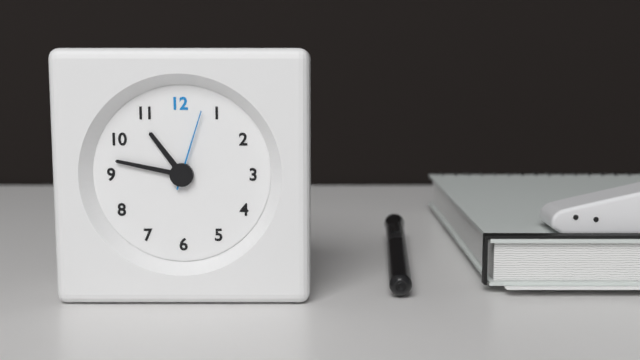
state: 10:47:03
